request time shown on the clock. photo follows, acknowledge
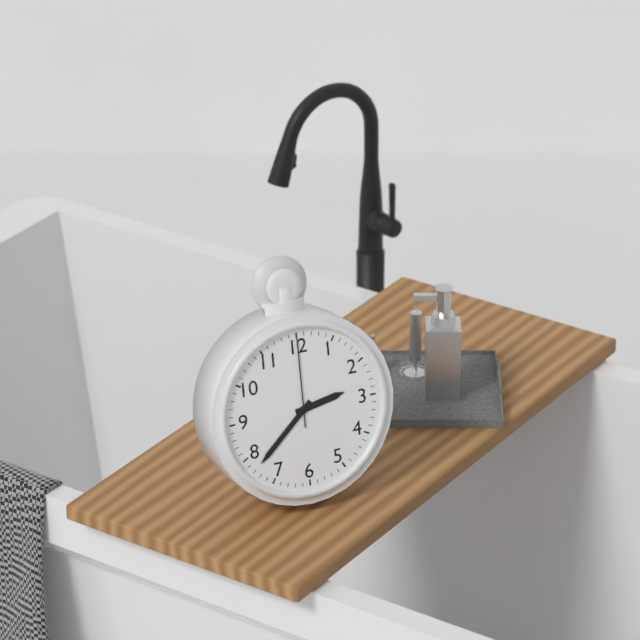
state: 2:38:00
